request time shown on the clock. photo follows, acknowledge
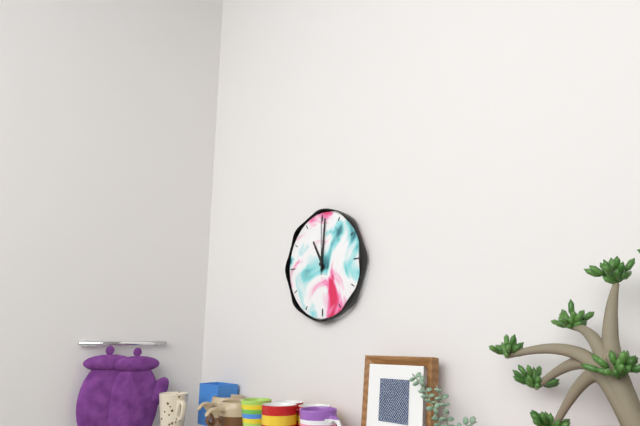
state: 11:01:00
